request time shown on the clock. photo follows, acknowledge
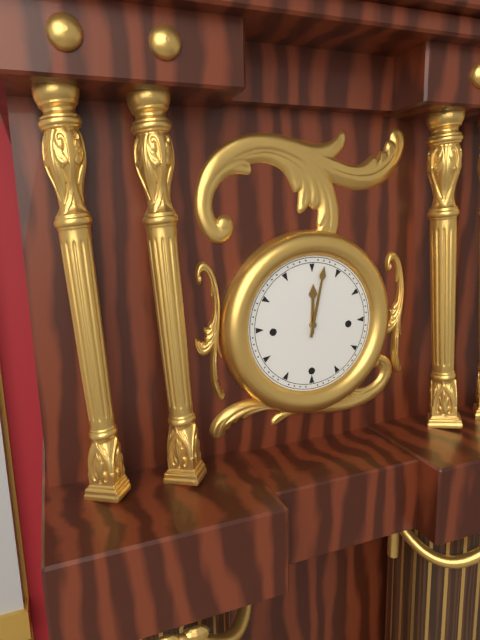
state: 12:02
